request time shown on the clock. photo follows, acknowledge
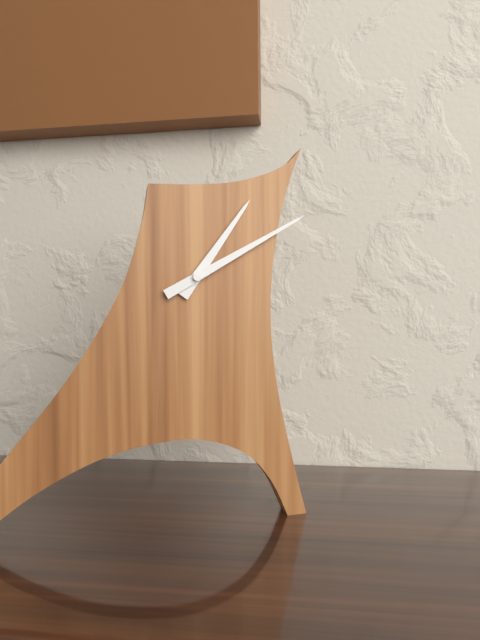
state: 1:10
